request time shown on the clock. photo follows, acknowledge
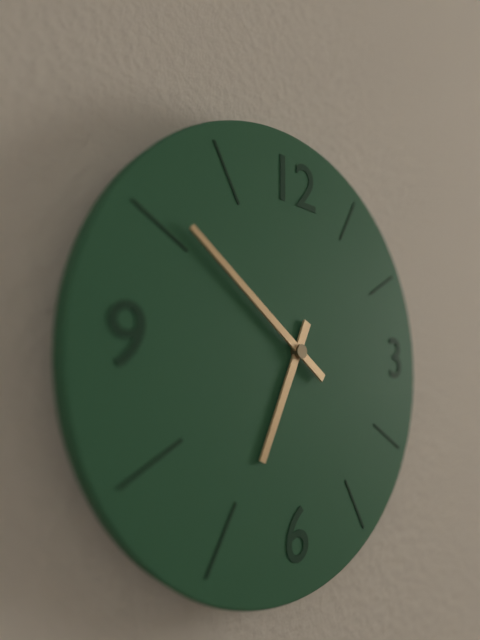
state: 6:51
